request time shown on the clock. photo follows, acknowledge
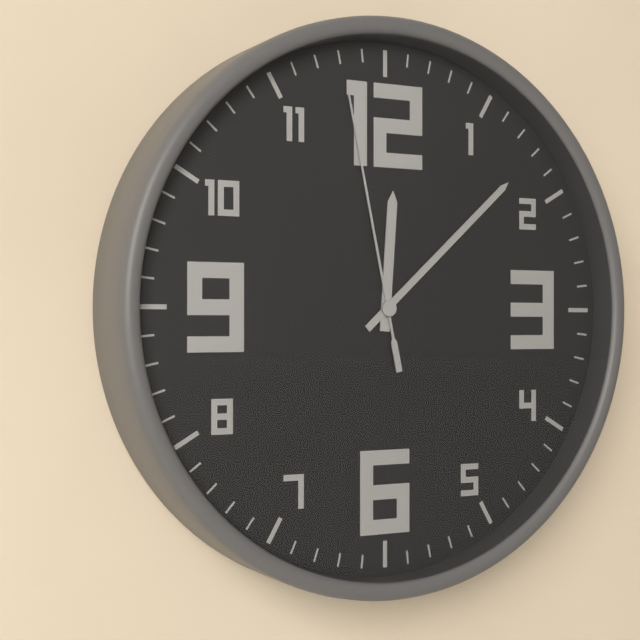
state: 12:08:58
